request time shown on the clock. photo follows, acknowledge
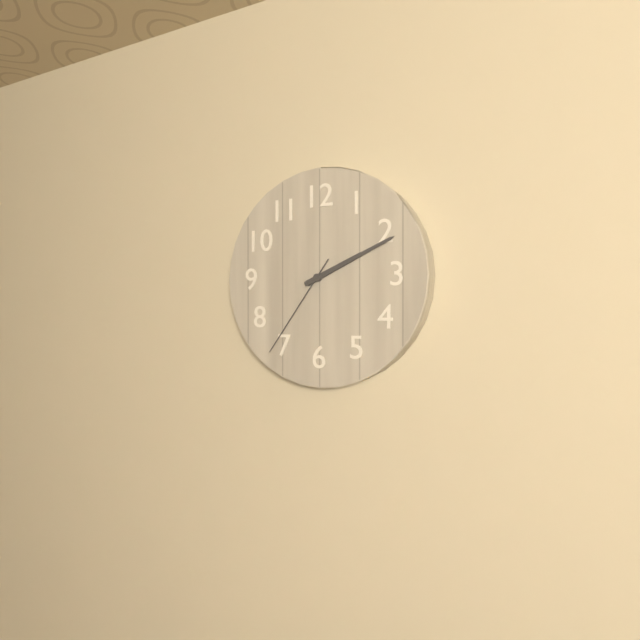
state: 2:11:36
